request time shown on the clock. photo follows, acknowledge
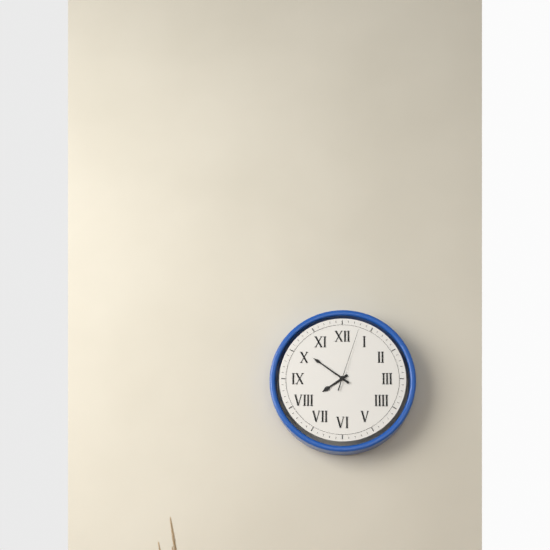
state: 7:51:03
